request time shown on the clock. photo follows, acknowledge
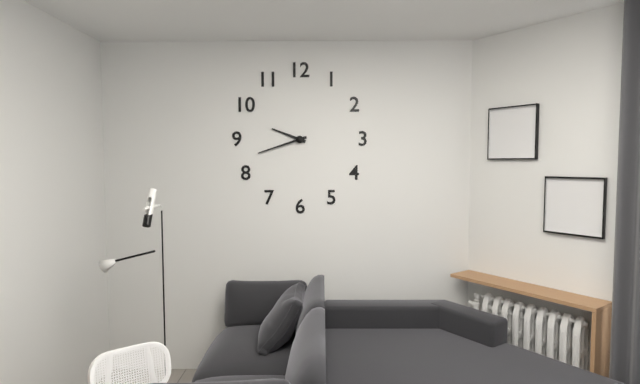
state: 9:42
